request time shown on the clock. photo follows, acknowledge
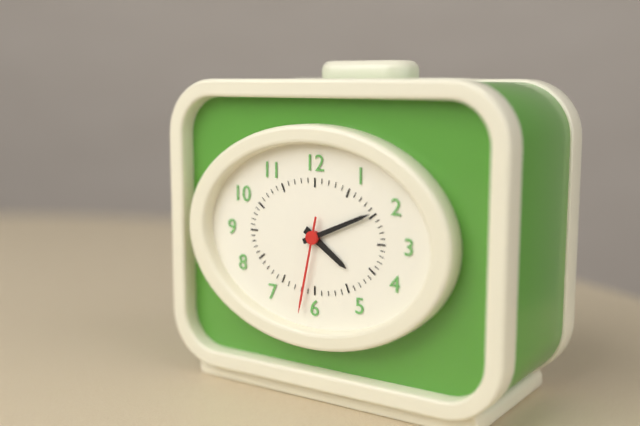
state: 4:11:32
